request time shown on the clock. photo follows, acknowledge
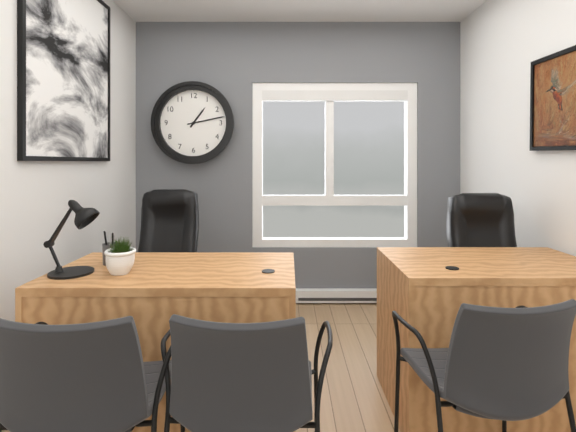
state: 1:13
